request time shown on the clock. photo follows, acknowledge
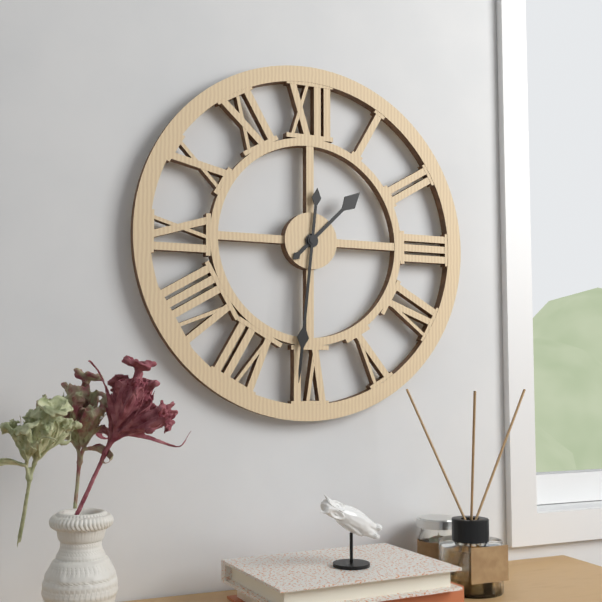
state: 1:31
